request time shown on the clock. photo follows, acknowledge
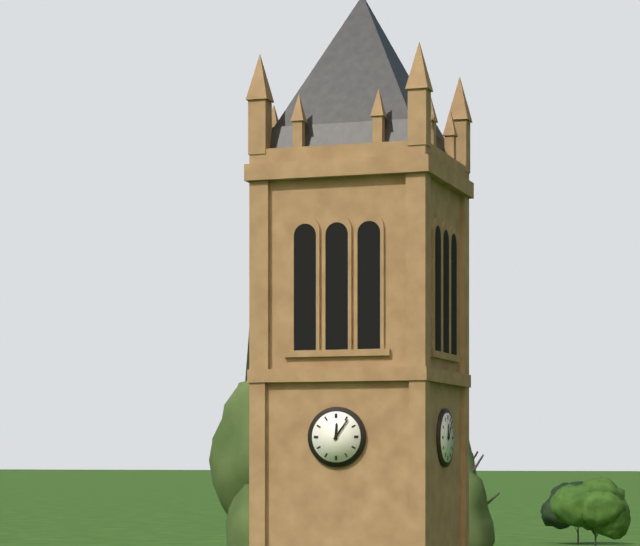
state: 12:06
